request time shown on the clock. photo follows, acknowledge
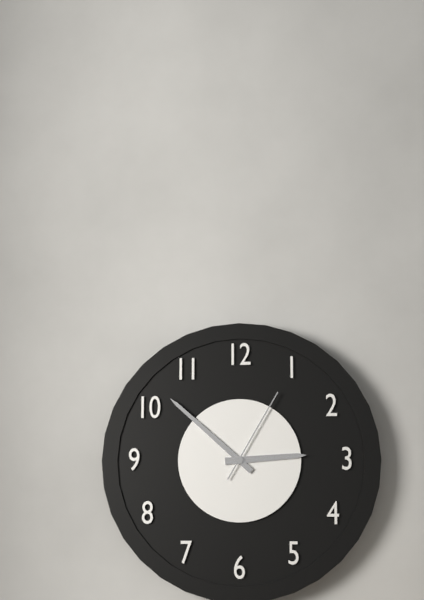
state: 2:52:05
